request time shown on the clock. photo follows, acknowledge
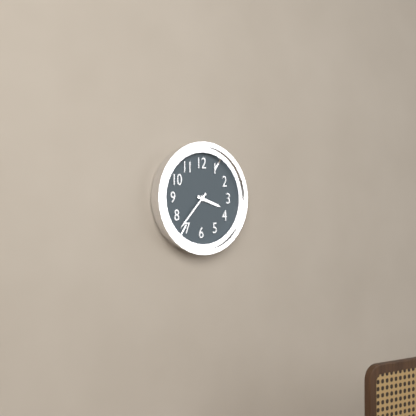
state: 3:37
